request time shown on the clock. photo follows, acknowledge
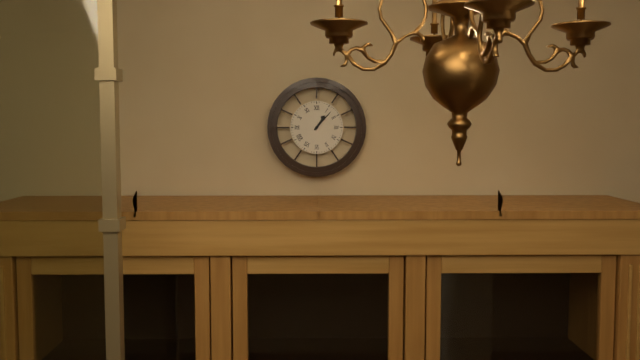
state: 1:07
